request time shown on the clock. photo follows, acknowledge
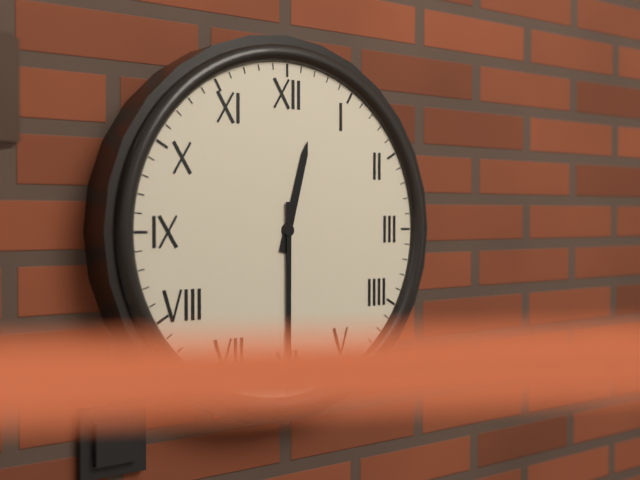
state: 12:30
